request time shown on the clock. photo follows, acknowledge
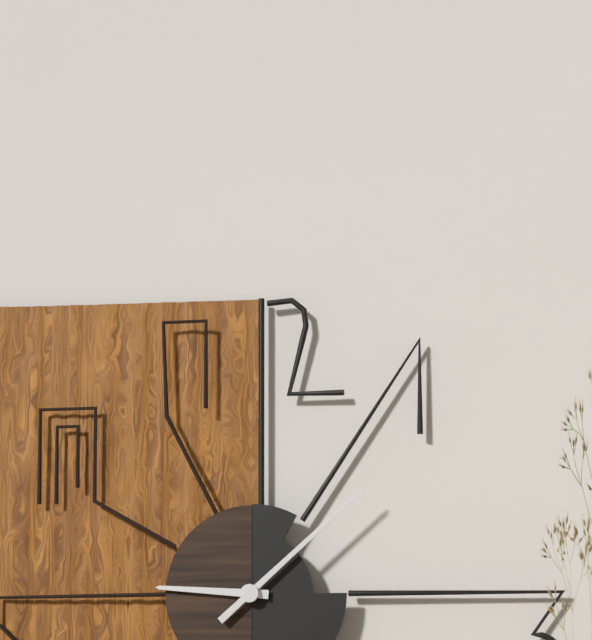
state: 9:08
